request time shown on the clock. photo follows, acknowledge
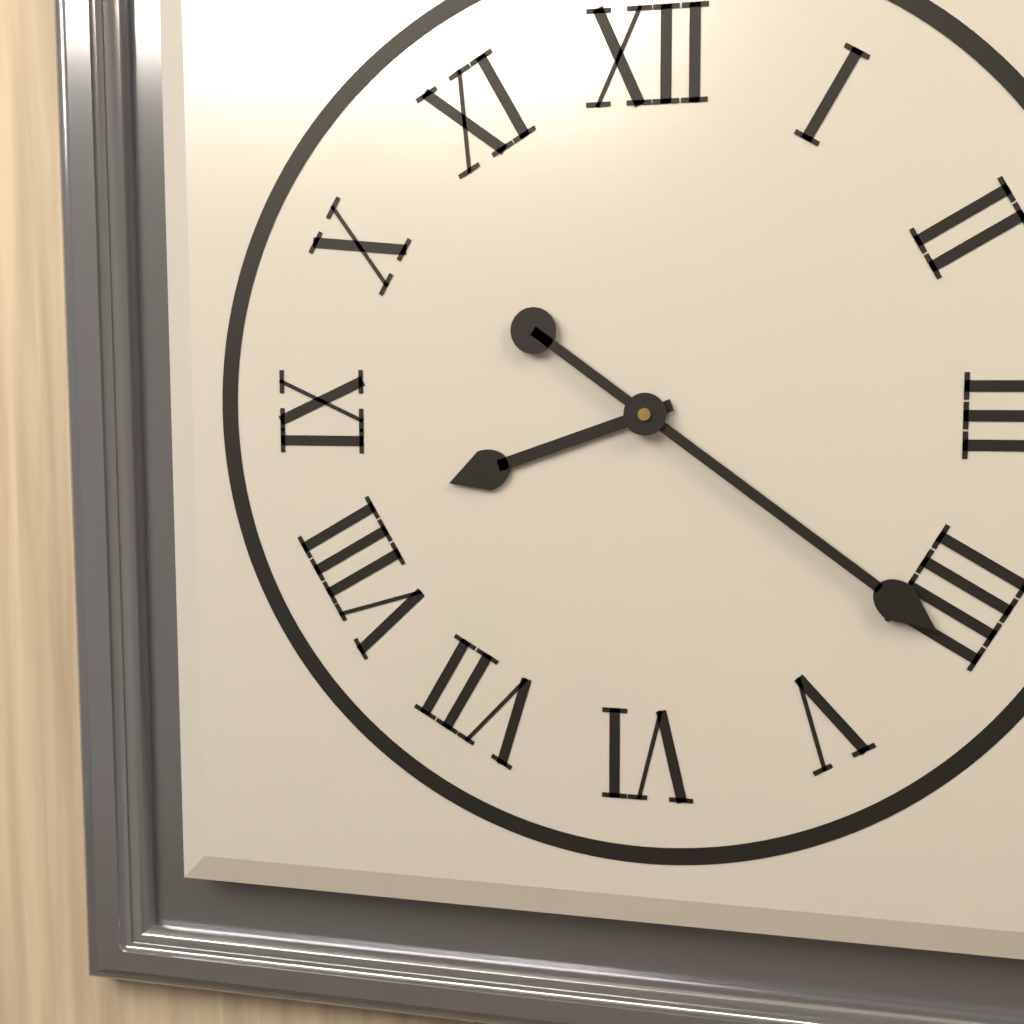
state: 8:21
